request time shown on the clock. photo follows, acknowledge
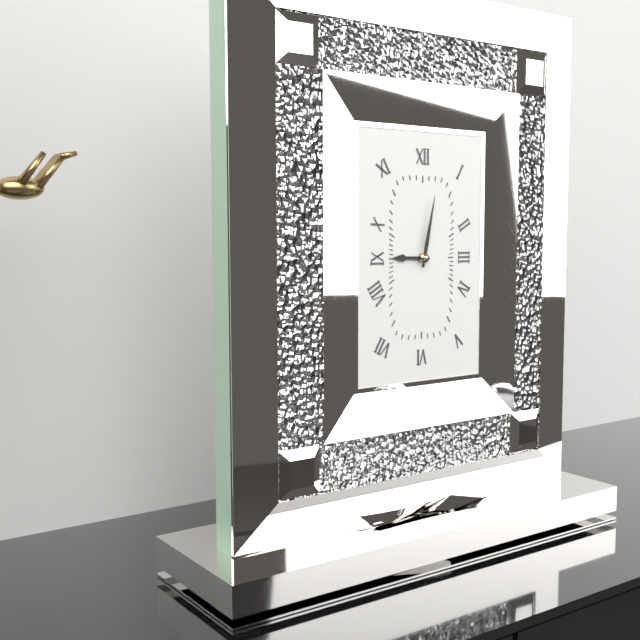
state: 9:02
